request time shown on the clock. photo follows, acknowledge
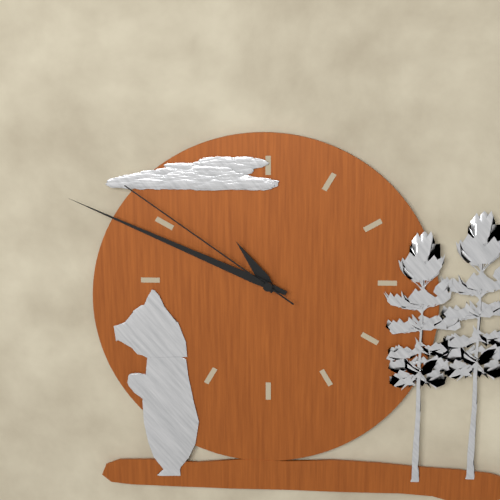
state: 10:49:51
